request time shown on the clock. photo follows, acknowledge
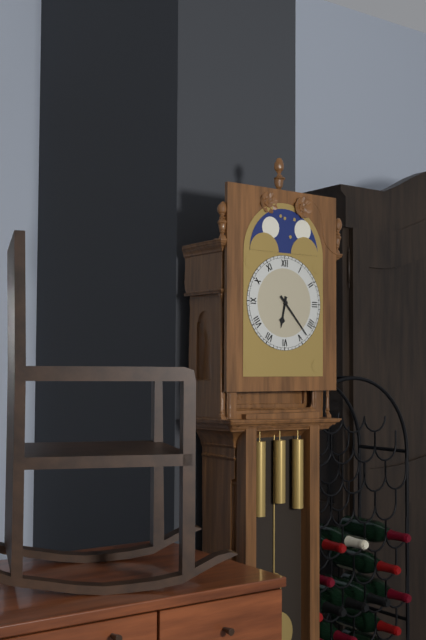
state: 6:23
